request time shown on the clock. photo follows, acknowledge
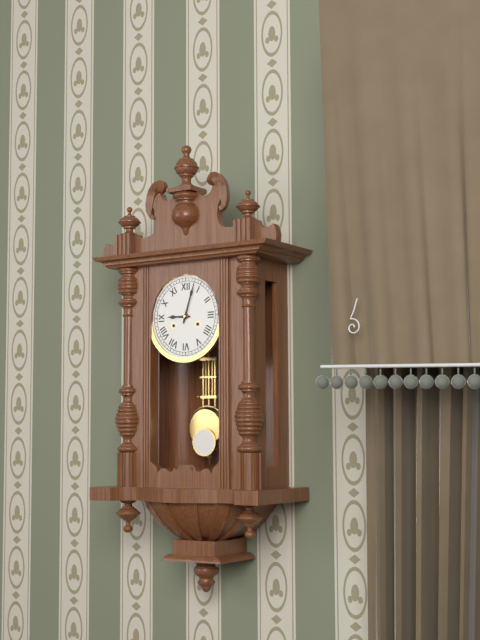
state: 9:03
